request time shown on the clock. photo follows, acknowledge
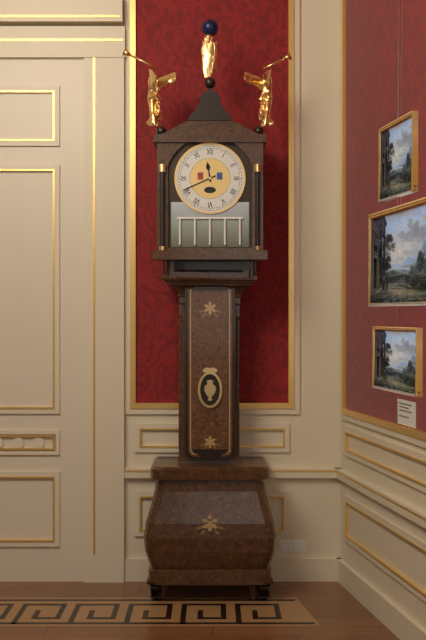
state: 11:41
